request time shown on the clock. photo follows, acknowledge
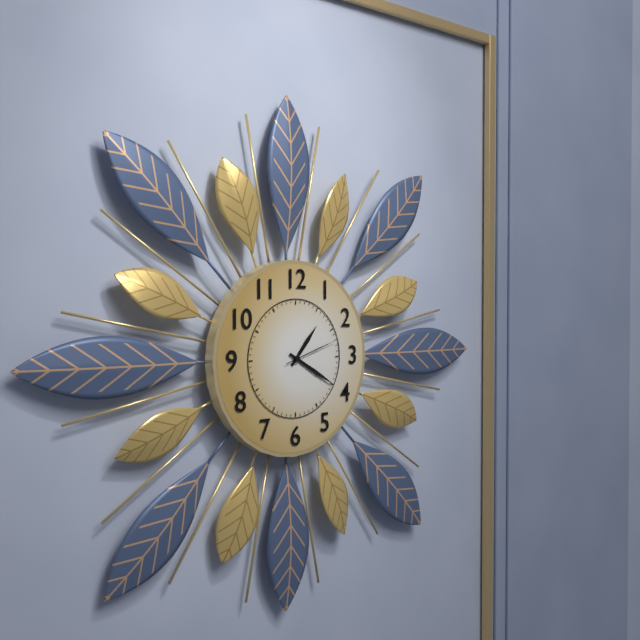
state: 1:20:12
